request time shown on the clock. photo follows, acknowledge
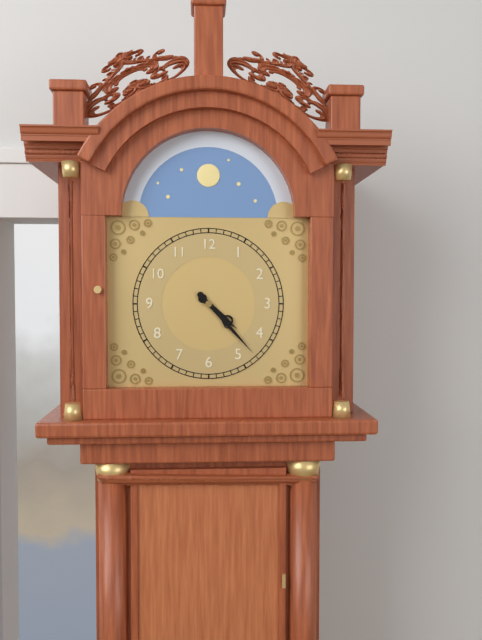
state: 4:23
